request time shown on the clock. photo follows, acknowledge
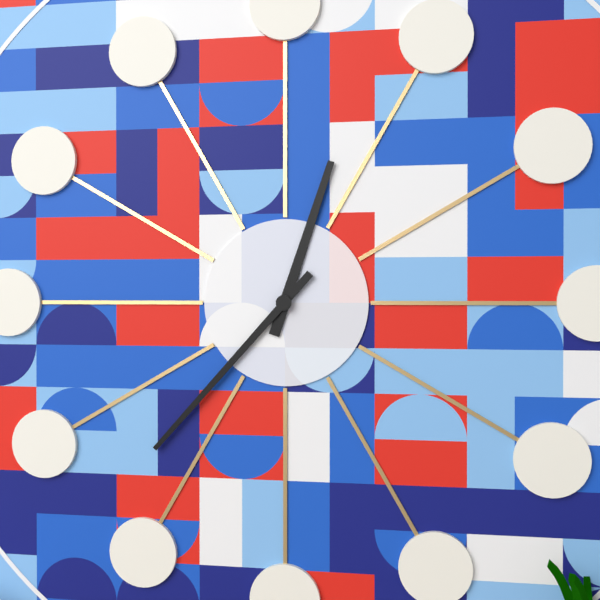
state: 12:37
